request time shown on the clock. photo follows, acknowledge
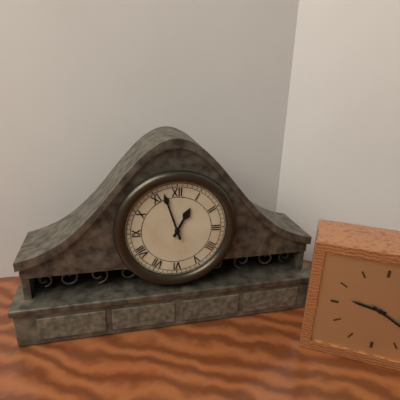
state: 12:57
